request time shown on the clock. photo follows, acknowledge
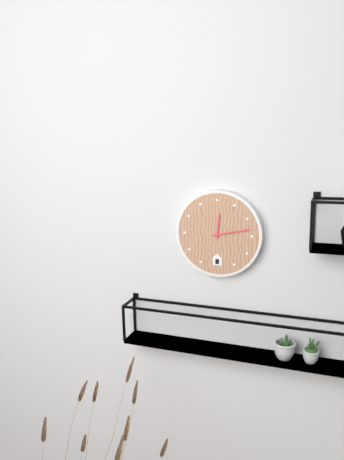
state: 12:13
